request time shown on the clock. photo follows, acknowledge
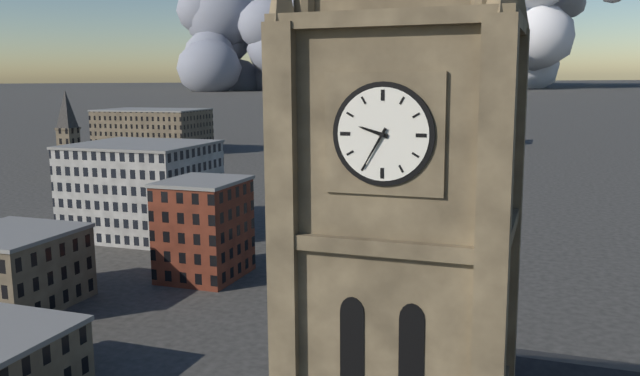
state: 9:35
